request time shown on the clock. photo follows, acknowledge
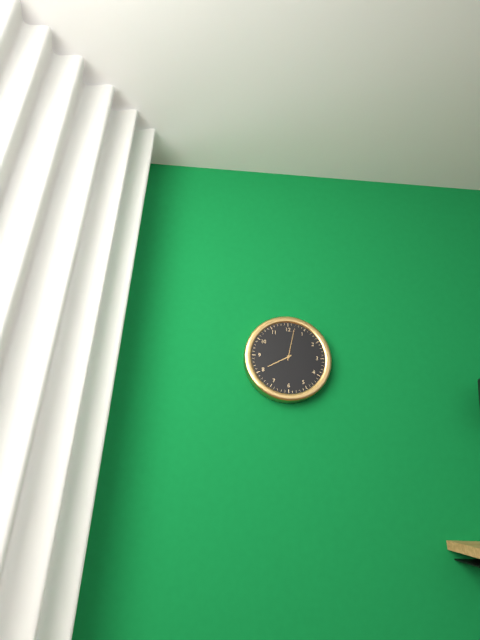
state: 8:02
